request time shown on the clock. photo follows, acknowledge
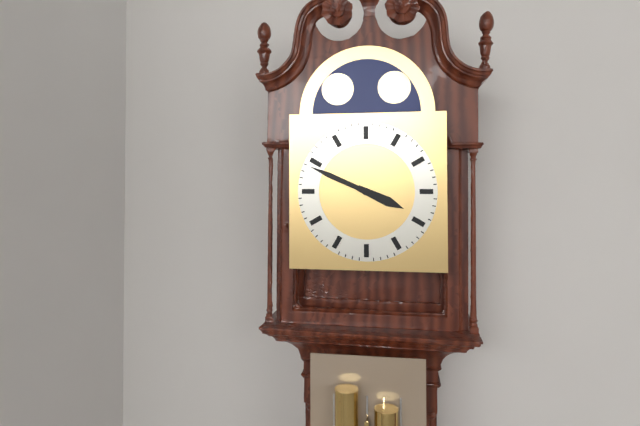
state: 3:49
